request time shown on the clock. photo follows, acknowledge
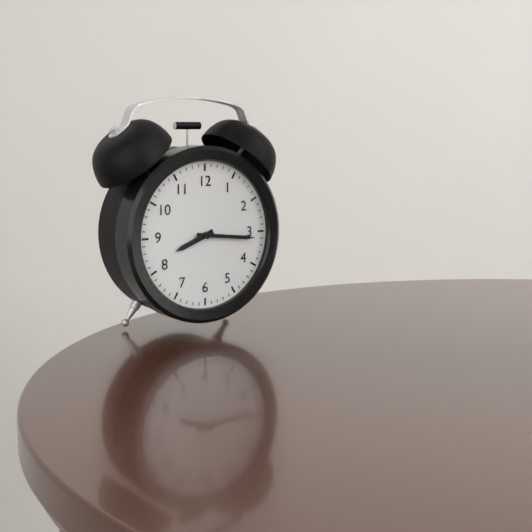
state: 8:16
